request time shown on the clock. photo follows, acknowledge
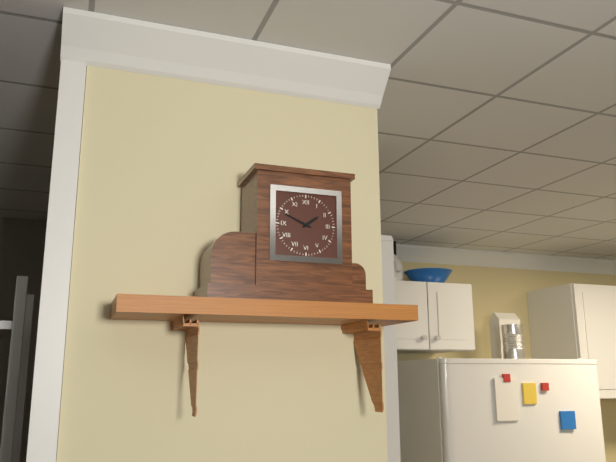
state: 1:49
